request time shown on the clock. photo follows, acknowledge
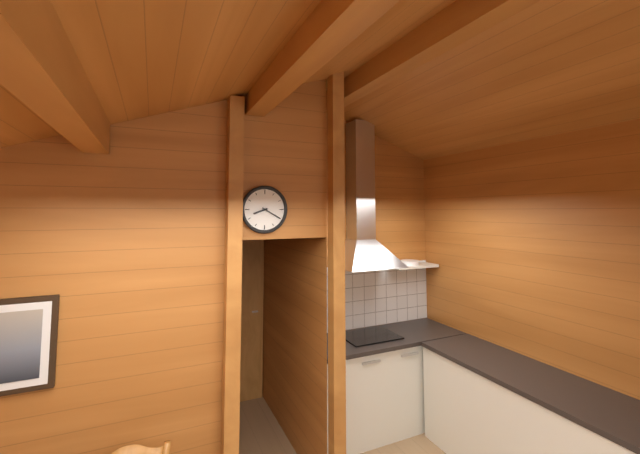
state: 8:20
